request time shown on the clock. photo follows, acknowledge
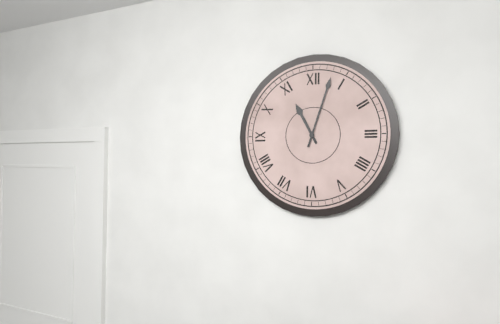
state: 11:03
